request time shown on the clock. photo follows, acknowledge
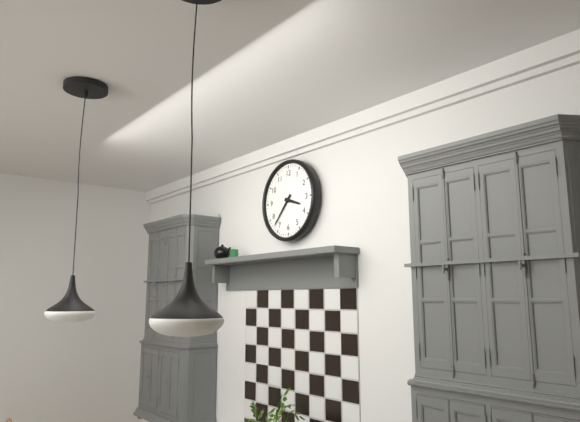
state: 3:37
